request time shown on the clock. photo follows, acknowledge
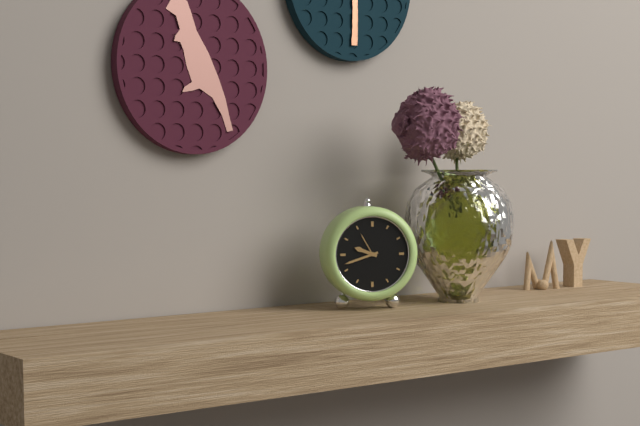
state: 9:42
